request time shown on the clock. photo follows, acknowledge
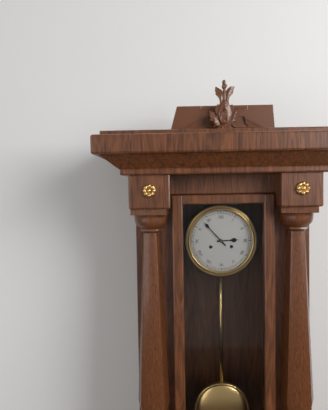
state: 2:53
